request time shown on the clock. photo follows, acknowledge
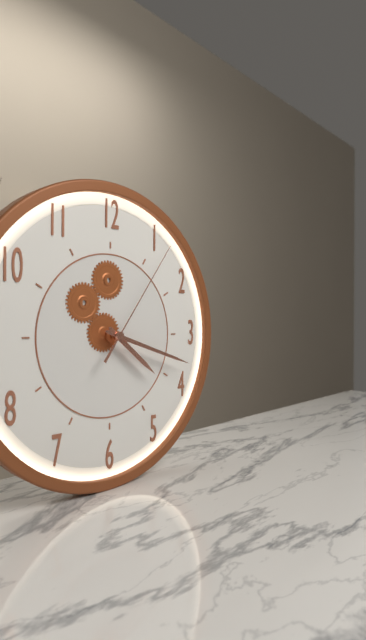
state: 4:18:06
